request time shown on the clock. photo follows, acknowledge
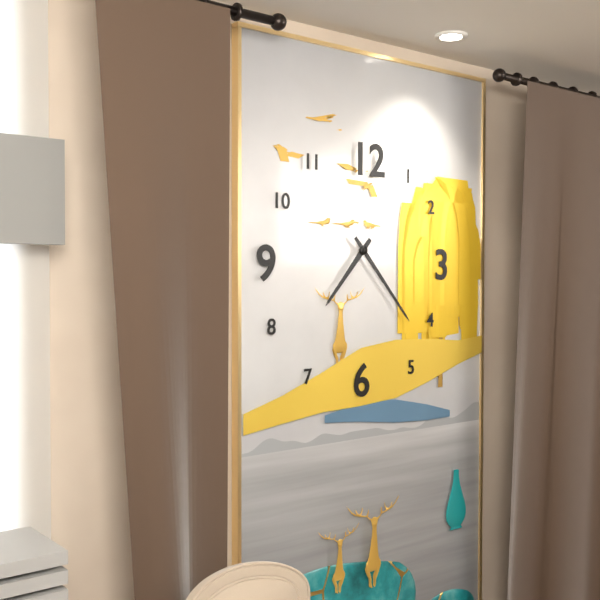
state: 7:23
